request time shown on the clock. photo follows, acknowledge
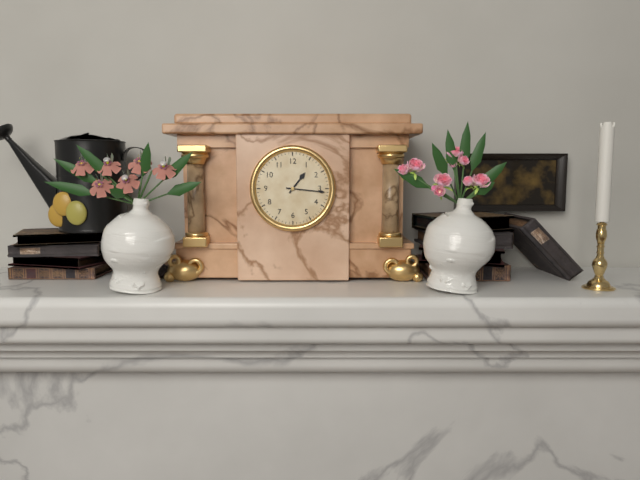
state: 1:16
